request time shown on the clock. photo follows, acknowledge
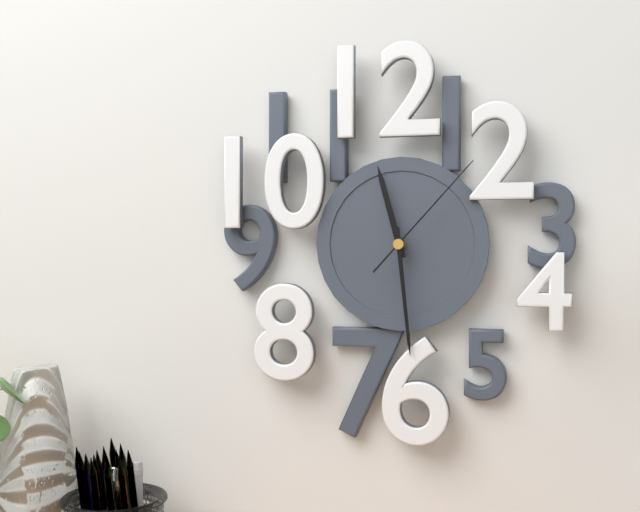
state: 11:29:07
